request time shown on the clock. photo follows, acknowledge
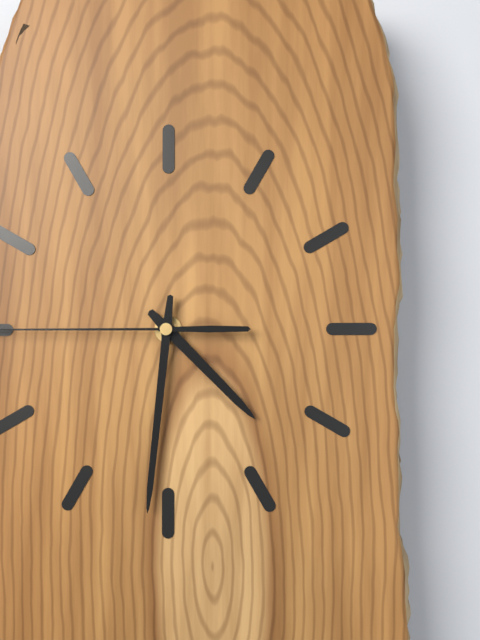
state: 4:31
